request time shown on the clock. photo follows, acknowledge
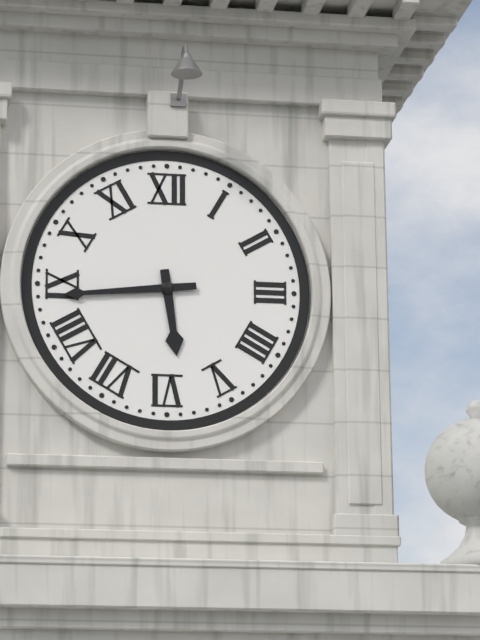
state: 5:44
